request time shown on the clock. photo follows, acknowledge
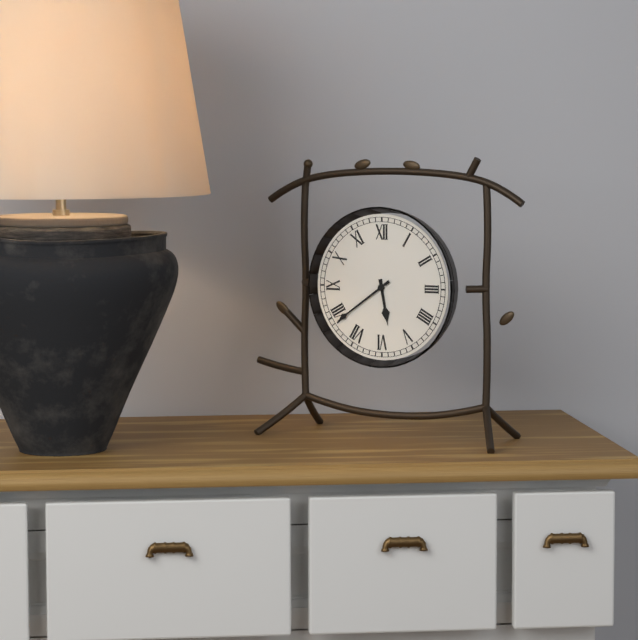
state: 5:39
